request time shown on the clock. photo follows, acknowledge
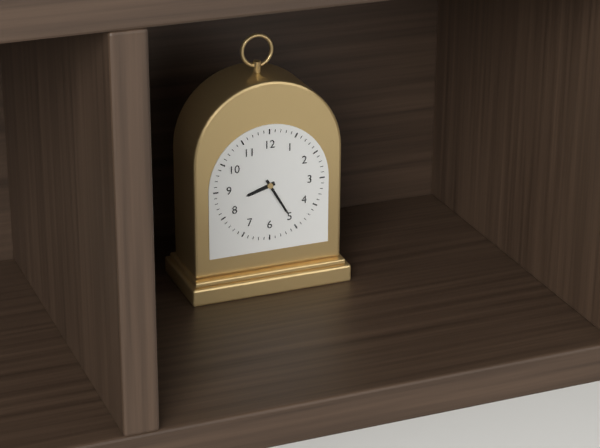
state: 8:25
